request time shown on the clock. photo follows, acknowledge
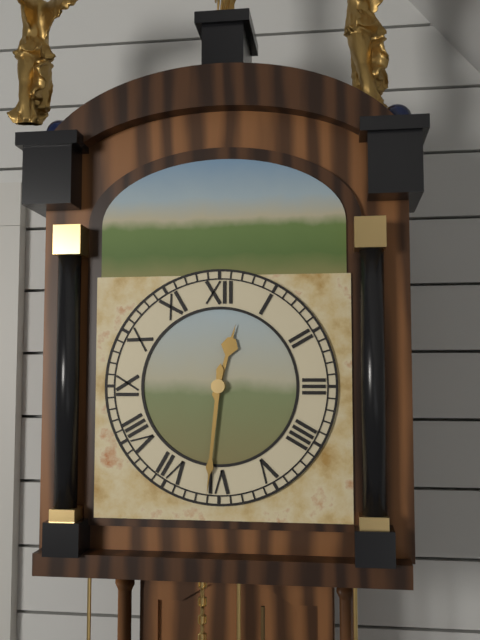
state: 12:31
